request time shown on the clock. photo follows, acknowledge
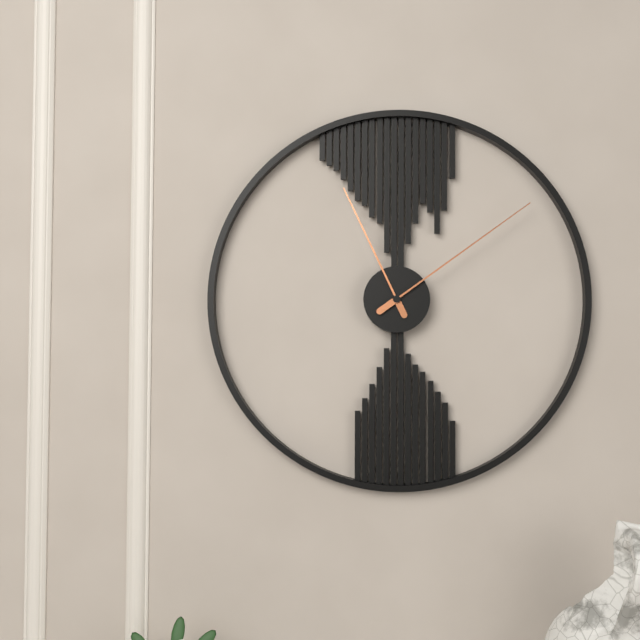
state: 11:09
